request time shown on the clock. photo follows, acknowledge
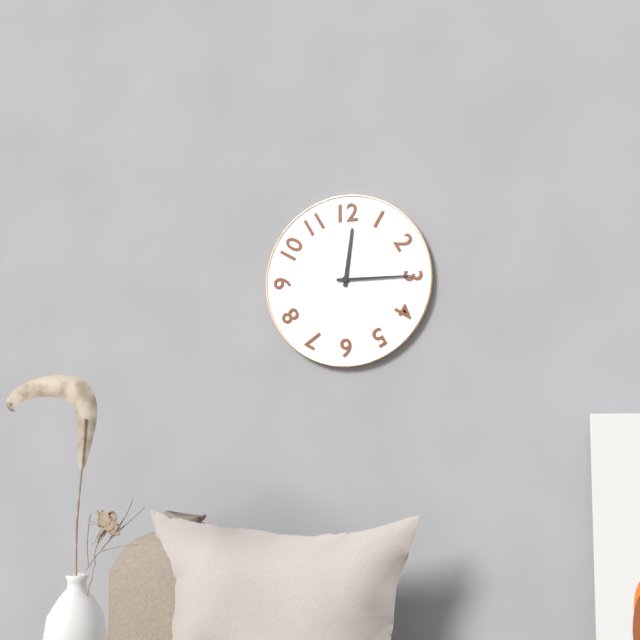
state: 12:15
